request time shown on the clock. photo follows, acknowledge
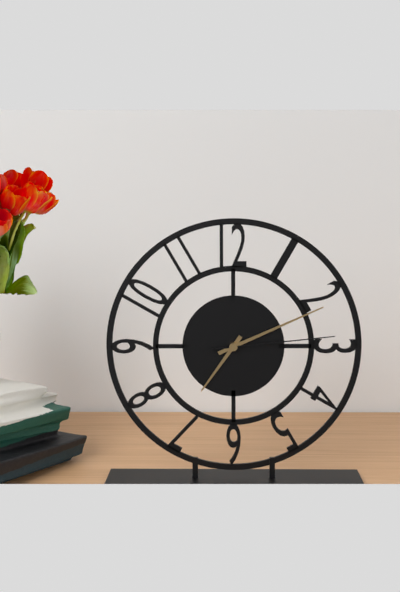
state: 7:11:14
